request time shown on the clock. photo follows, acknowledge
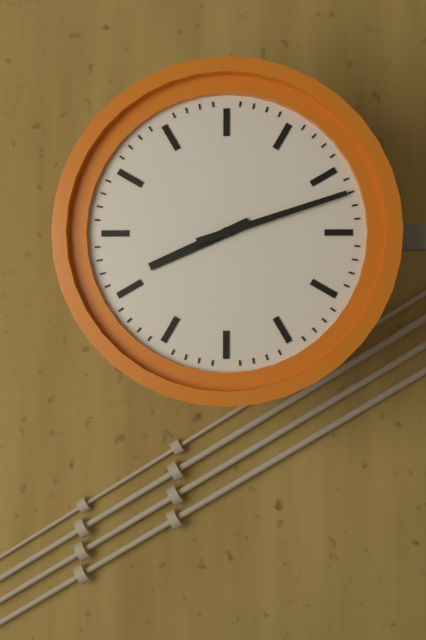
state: 8:12
